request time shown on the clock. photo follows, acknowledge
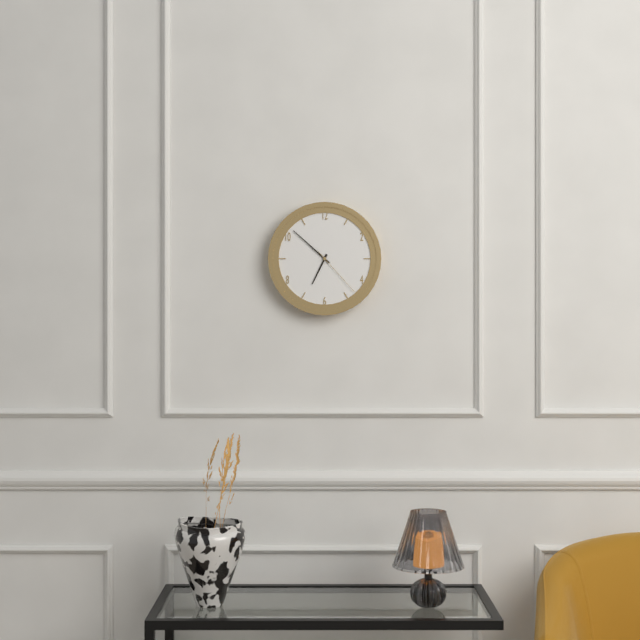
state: 6:52:23
